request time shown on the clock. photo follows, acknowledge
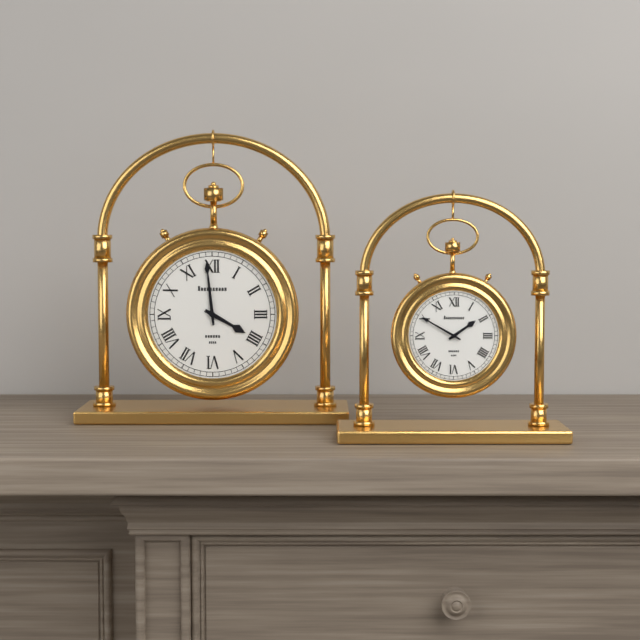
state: 3:59
